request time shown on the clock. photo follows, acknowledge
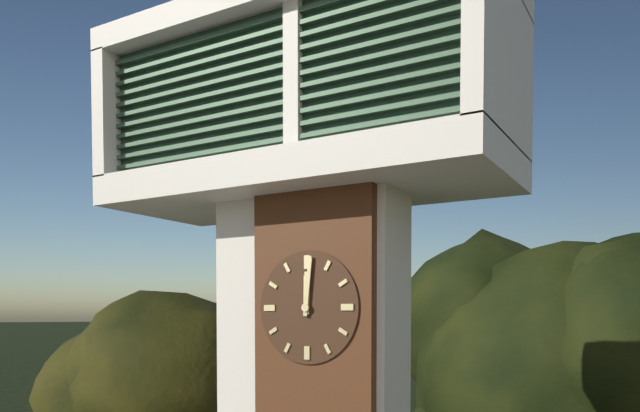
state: 12:01
